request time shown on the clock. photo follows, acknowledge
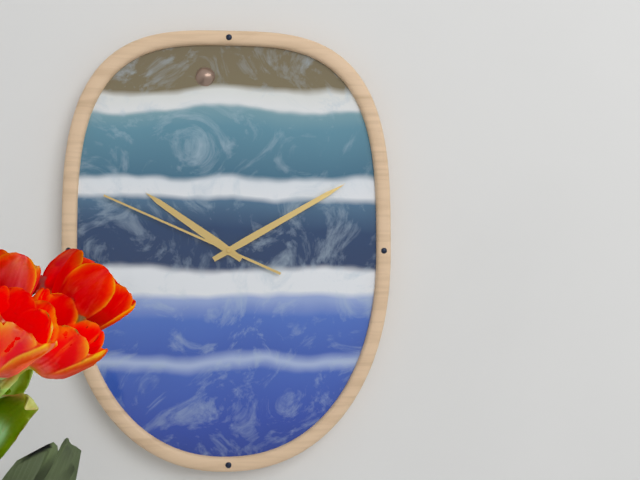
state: 10:10:49
